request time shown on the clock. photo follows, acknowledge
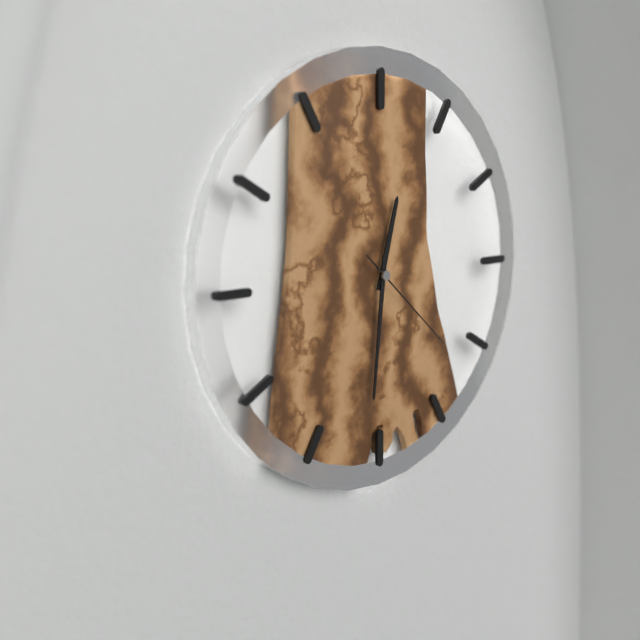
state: 12:31:22
